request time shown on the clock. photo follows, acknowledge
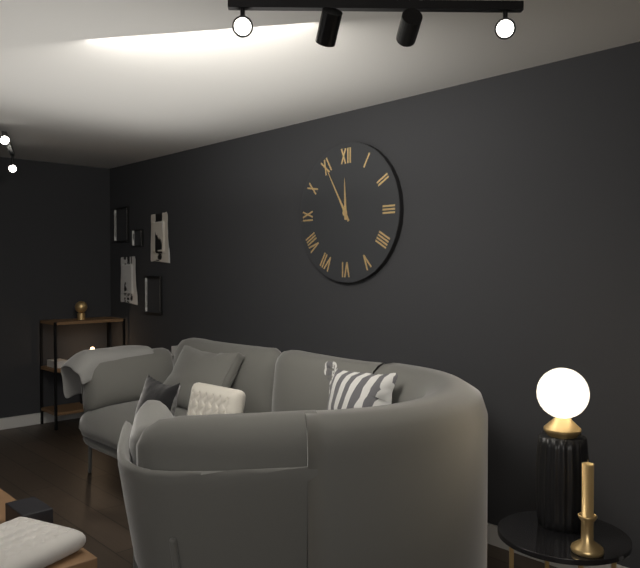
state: 11:55
